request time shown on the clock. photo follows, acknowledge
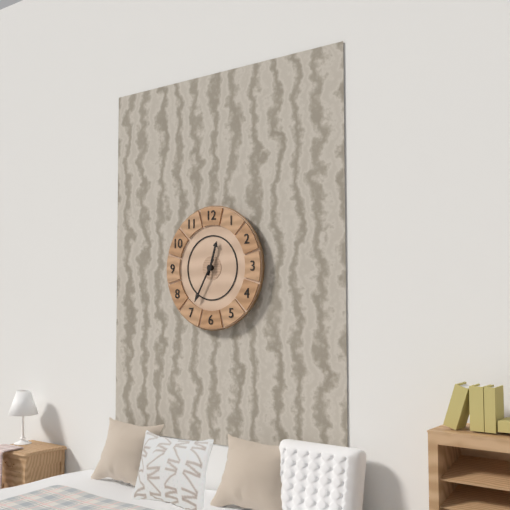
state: 12:35
